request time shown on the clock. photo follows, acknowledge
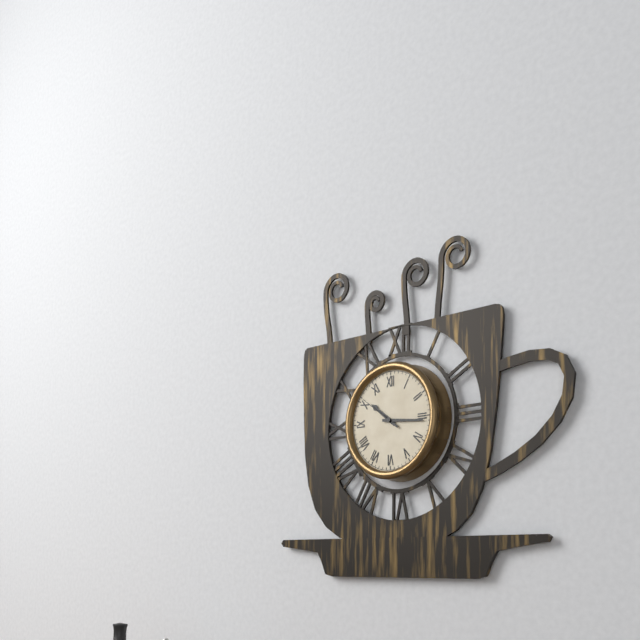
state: 10:16
